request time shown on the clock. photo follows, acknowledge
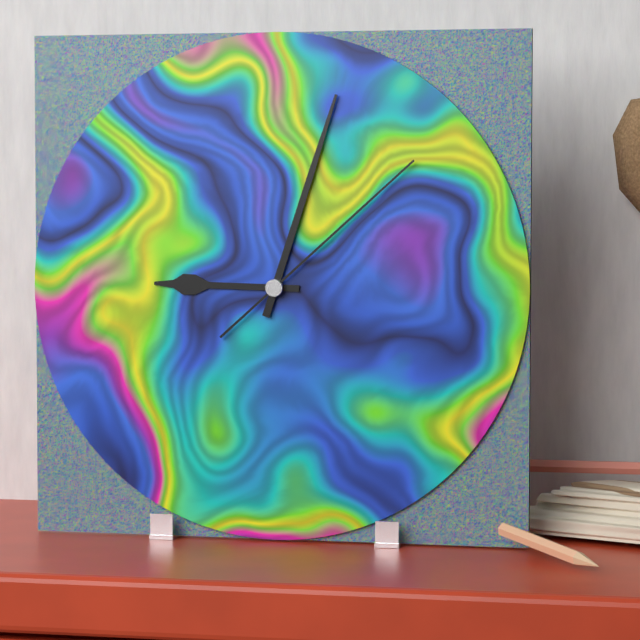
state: 9:03:08
